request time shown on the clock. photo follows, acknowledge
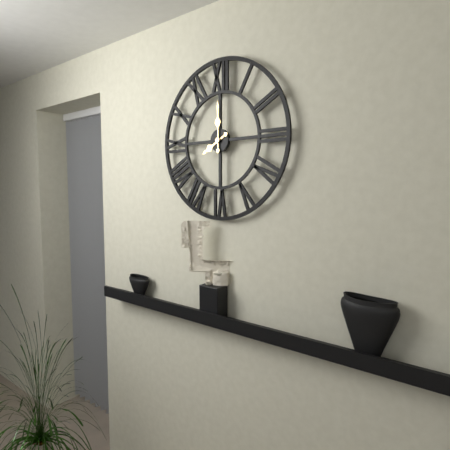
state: 8:00
